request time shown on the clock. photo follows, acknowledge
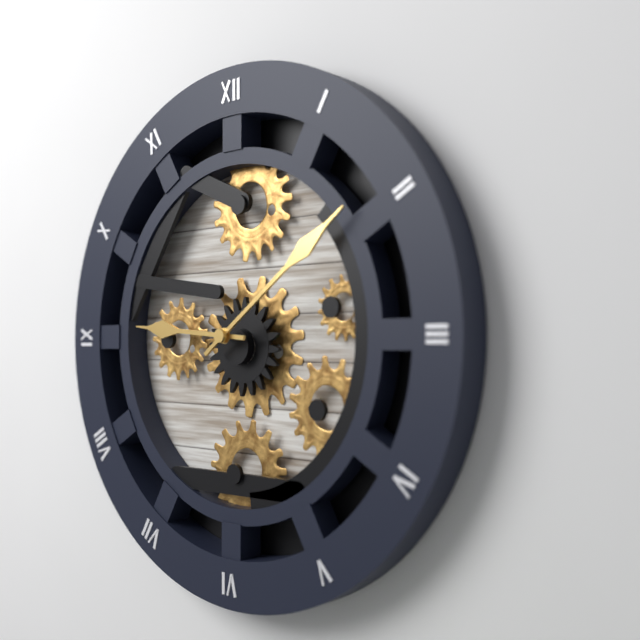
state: 9:09
